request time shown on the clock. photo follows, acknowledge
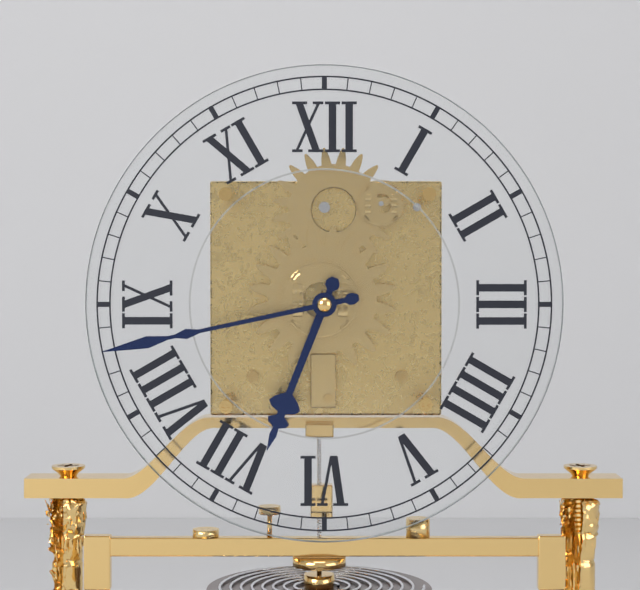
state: 6:43
